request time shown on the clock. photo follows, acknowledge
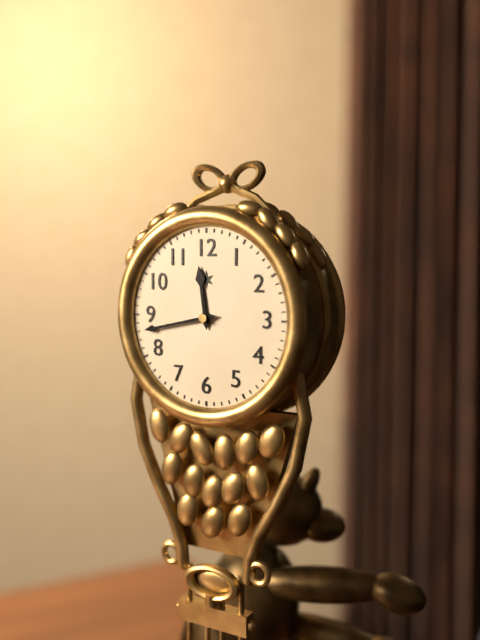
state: 11:43
